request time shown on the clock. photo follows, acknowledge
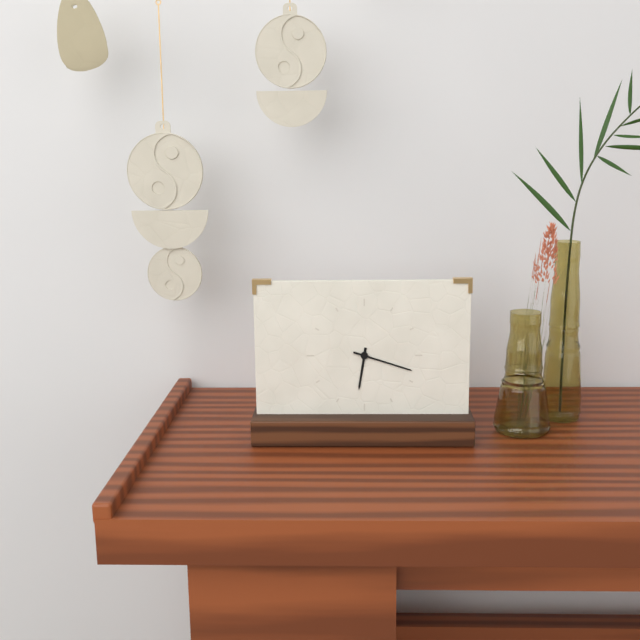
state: 6:18
